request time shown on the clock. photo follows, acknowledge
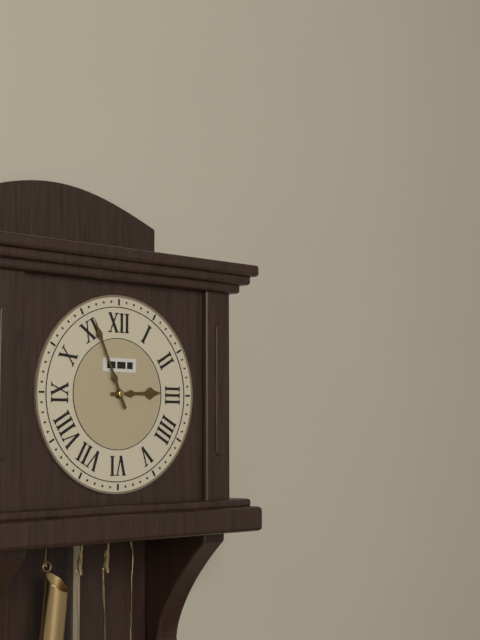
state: 2:56
